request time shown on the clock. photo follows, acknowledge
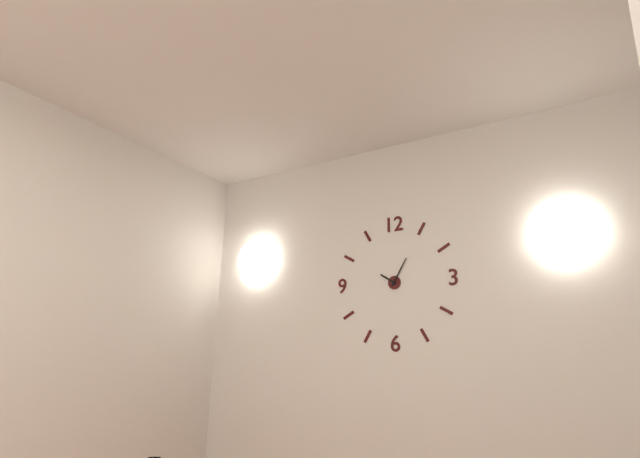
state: 10:05
